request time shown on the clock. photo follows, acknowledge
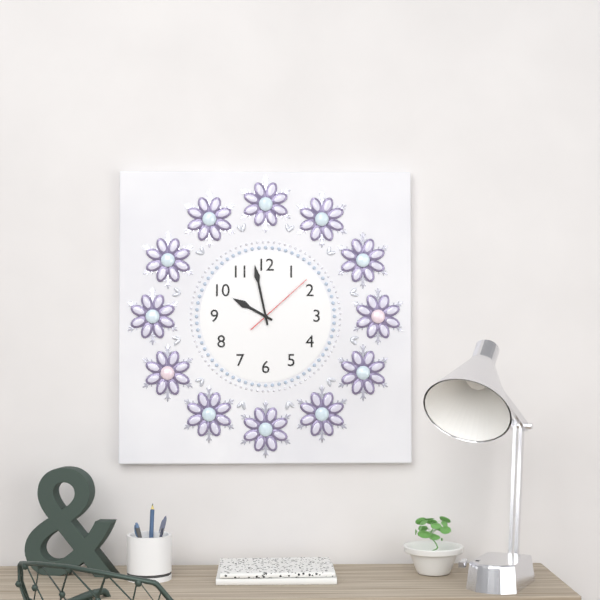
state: 9:58:08
